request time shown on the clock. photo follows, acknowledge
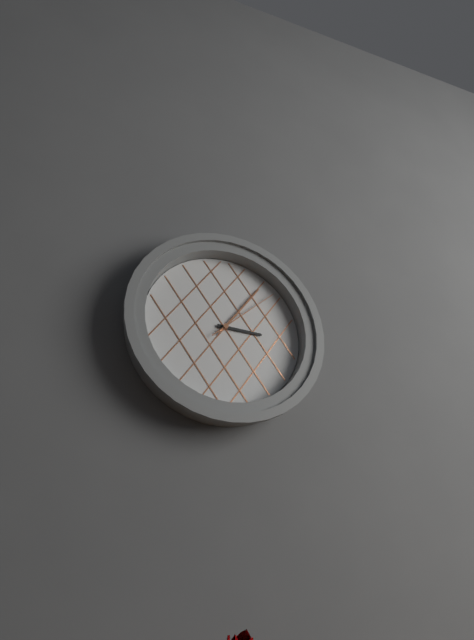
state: 3:06:08
